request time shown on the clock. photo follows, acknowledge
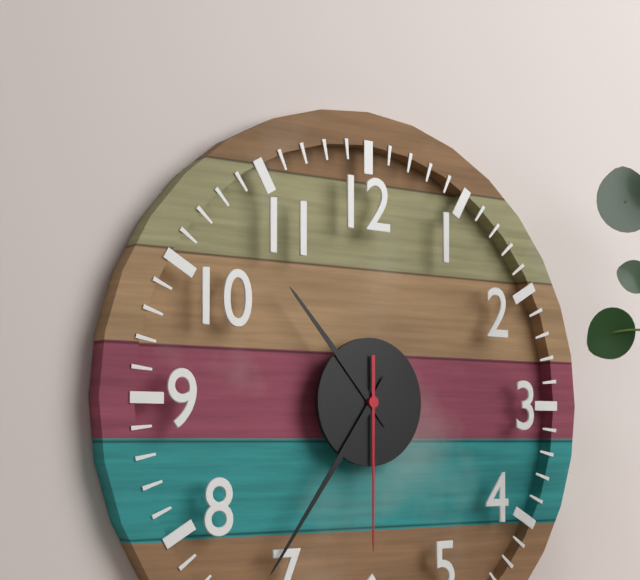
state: 10:36:30
